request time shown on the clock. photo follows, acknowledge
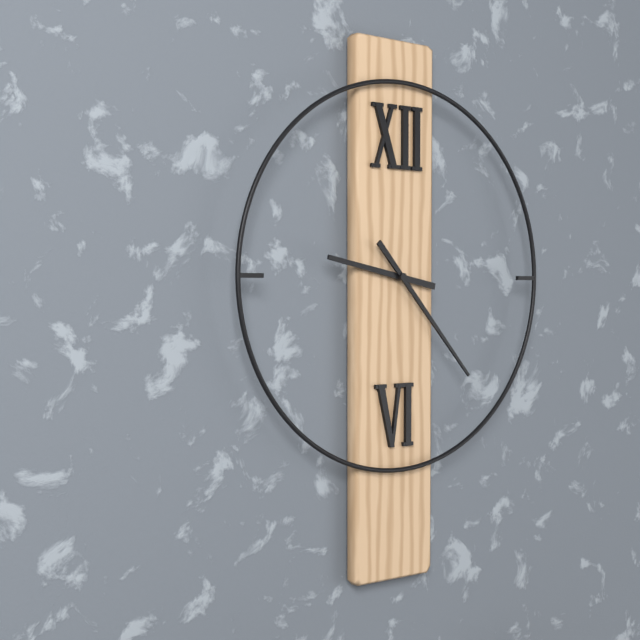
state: 9:23
